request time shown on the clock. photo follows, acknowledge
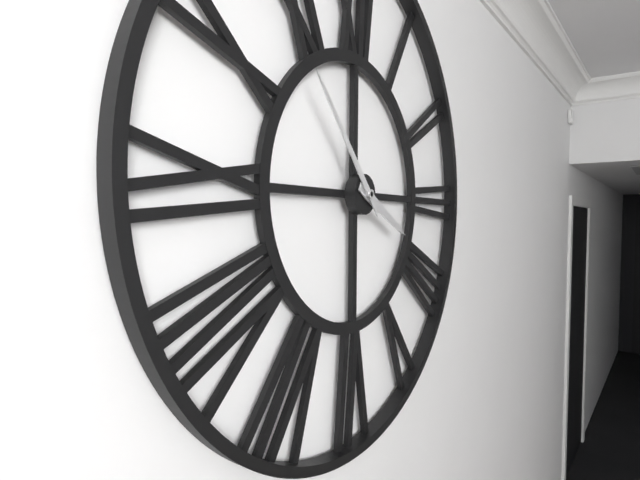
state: 3:53
